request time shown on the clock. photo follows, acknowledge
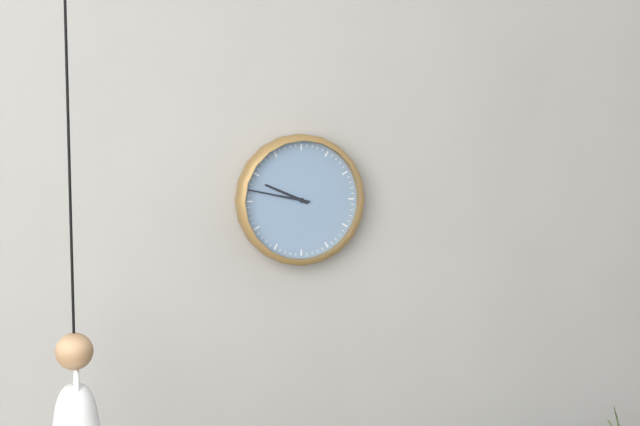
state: 9:47
